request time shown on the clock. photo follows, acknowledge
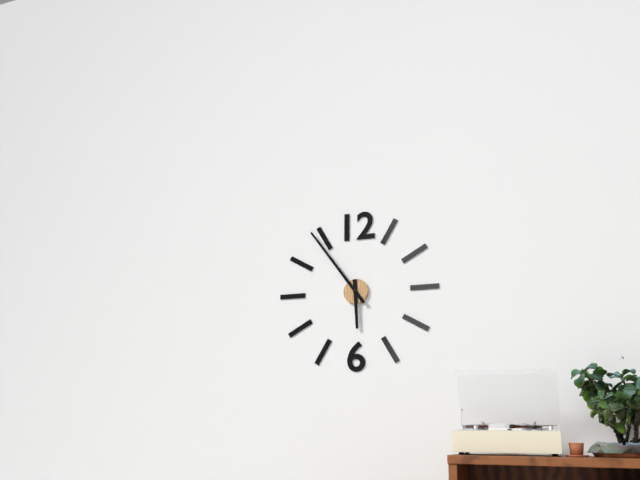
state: 5:54
